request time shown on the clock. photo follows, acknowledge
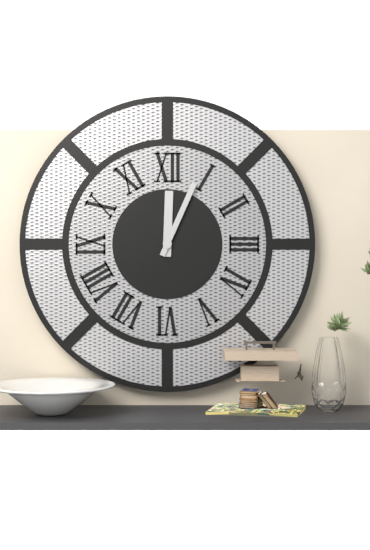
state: 12:04
